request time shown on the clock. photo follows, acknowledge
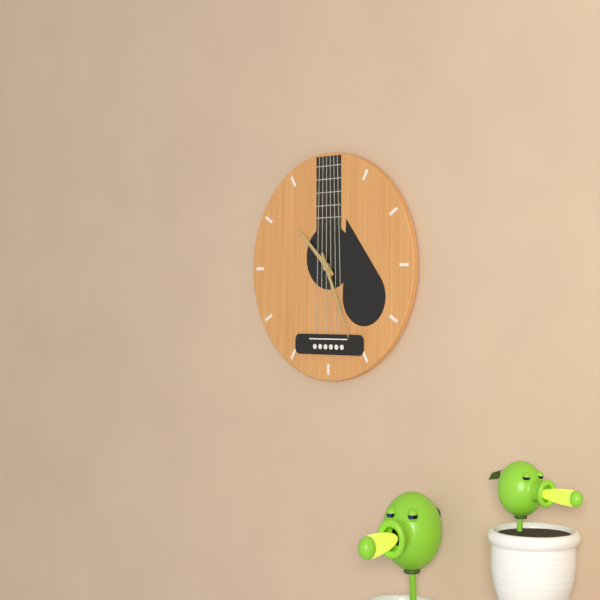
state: 10:26
